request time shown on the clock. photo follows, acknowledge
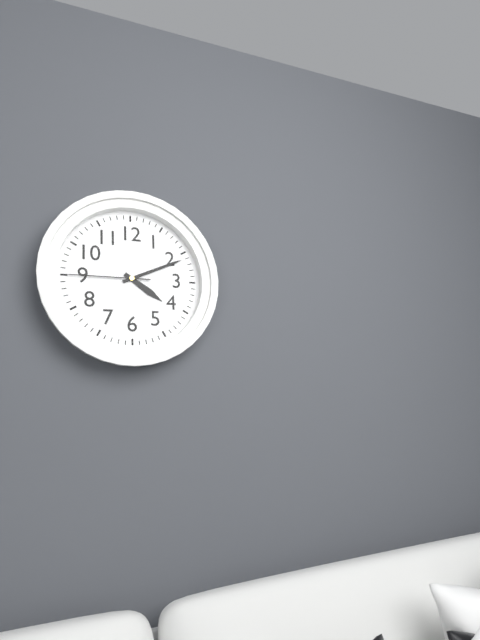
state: 4:11:45
